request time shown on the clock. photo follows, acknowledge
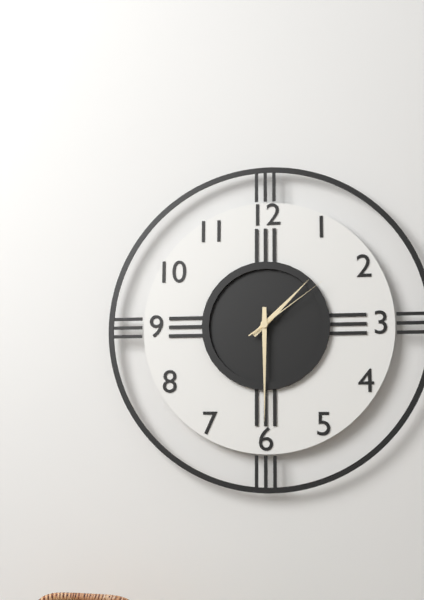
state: 1:30:09
